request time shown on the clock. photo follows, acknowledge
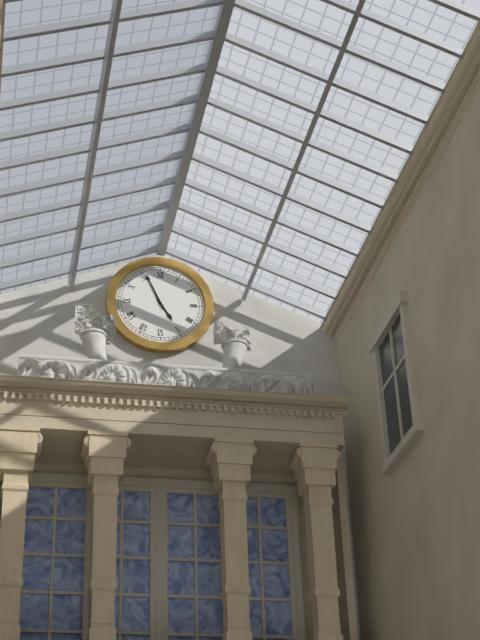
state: 4:56
